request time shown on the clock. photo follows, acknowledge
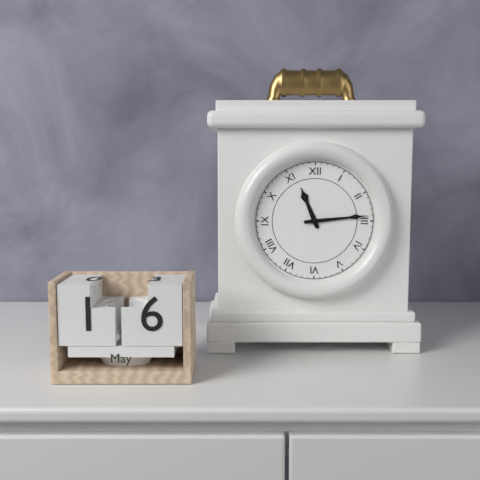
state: 11:14
